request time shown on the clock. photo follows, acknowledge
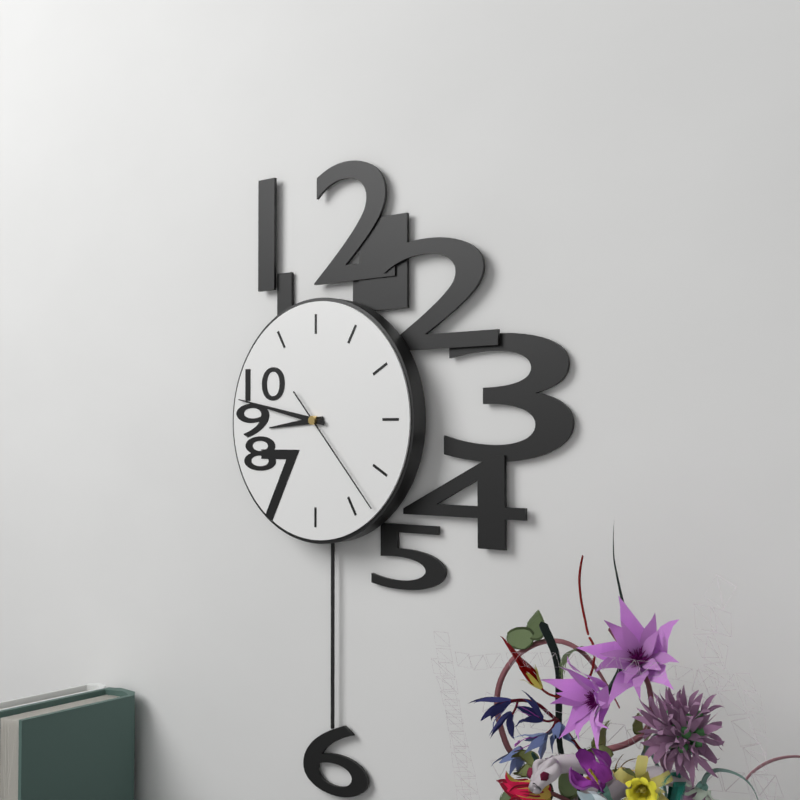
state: 8:47:23
